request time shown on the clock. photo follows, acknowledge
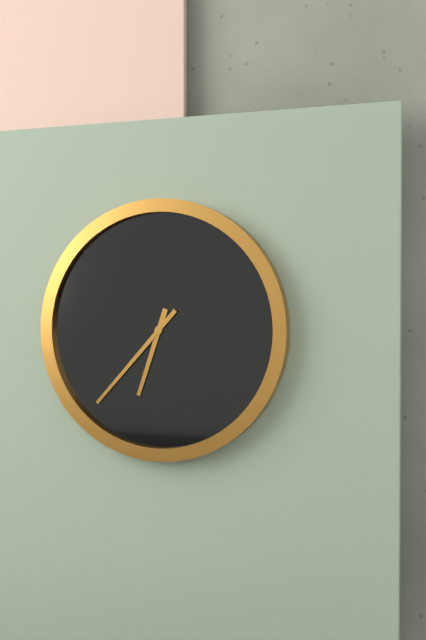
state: 6:37
